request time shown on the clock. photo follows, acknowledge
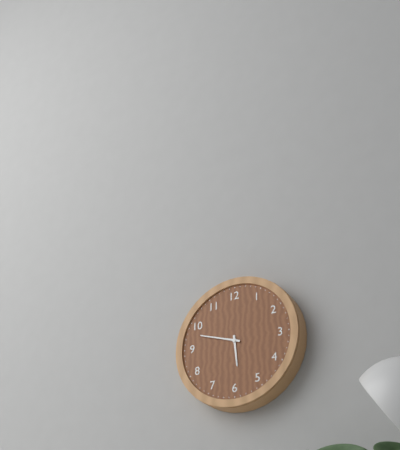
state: 5:48
